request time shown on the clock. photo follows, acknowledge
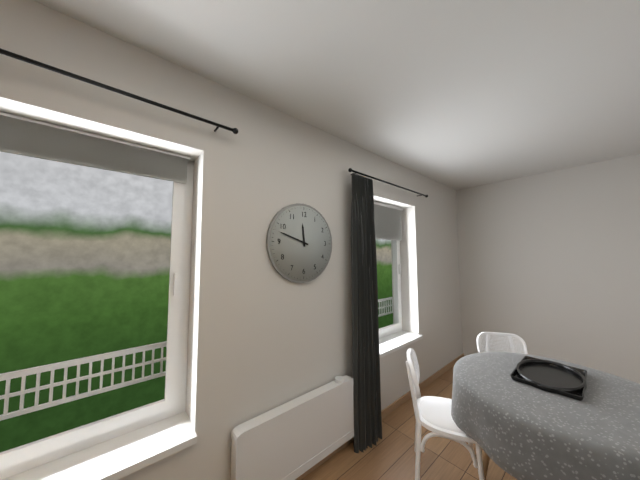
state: 11:48
